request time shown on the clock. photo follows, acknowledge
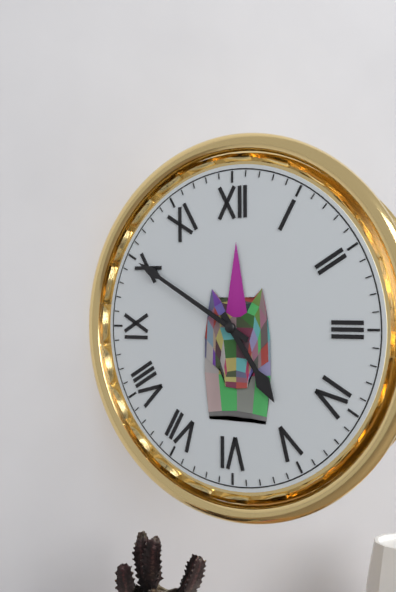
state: 4:50
